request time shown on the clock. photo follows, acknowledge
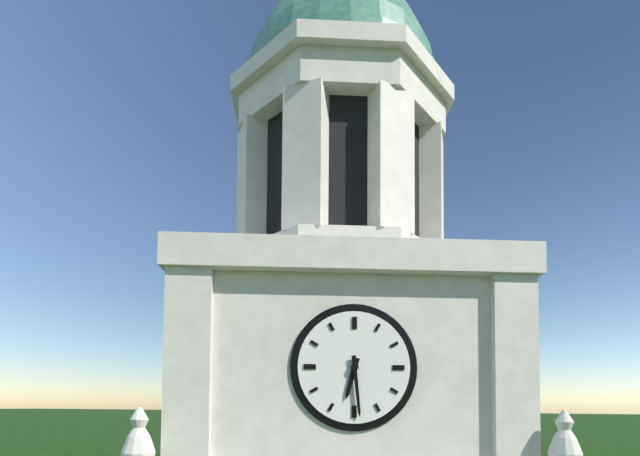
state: 6:29
